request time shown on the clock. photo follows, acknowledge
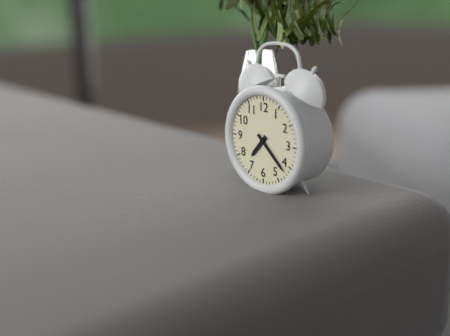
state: 7:22
